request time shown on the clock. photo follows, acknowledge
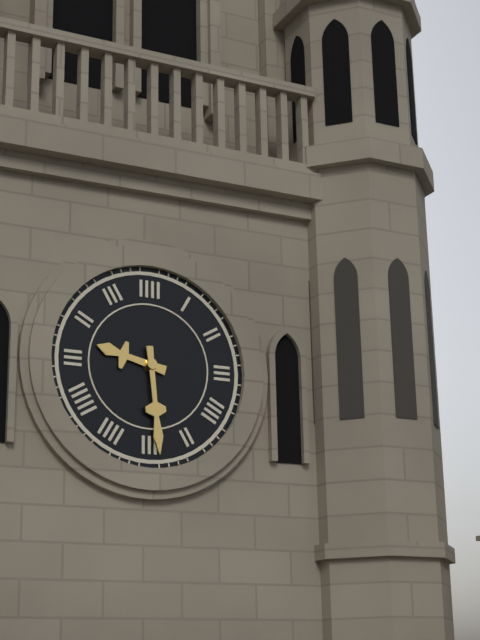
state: 9:29
